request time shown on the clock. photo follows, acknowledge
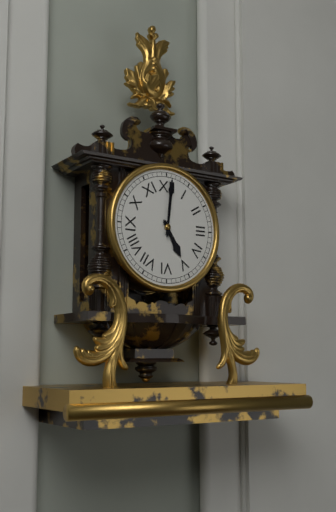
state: 5:01
